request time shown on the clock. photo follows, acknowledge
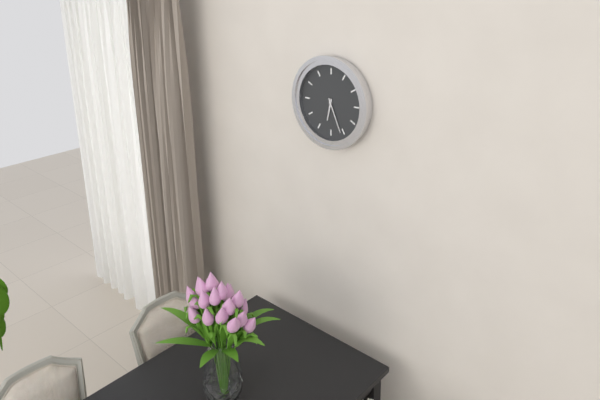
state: 6:26
